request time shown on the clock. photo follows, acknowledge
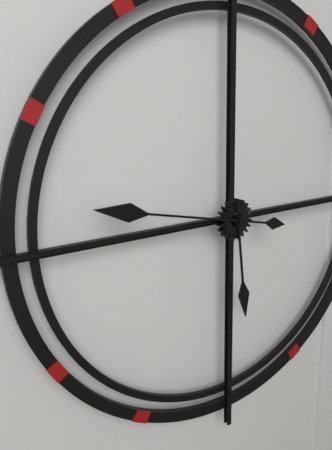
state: 5:47
